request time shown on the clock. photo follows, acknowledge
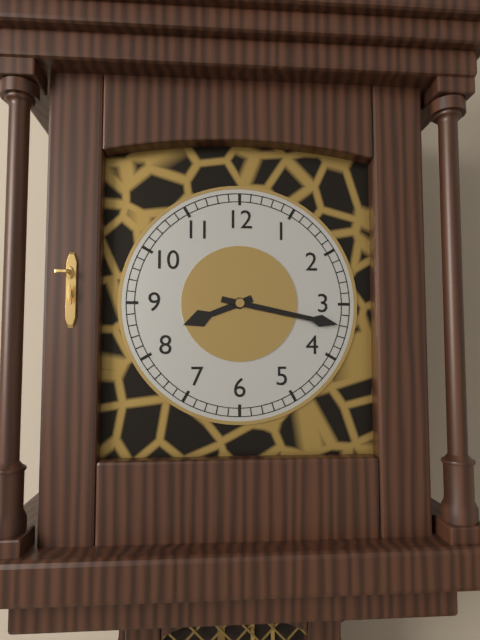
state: 8:17
